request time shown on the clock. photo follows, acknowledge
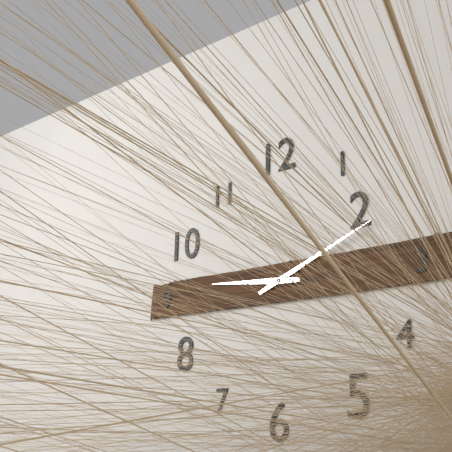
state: 9:11
